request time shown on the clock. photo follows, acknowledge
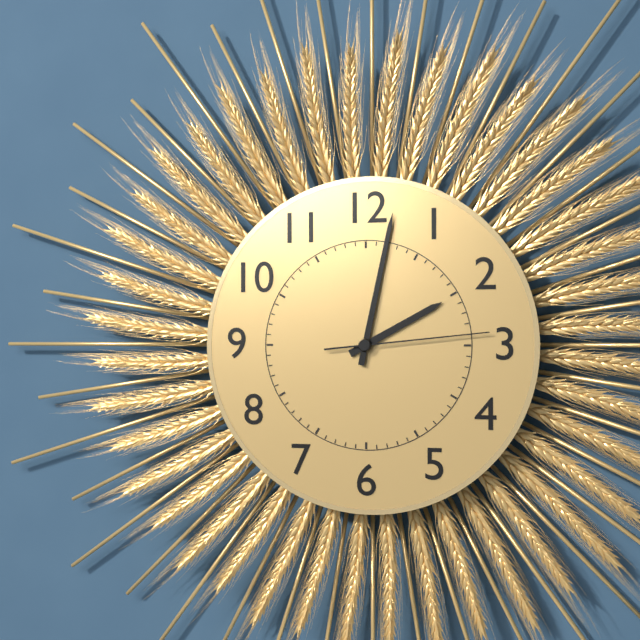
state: 2:02:14
